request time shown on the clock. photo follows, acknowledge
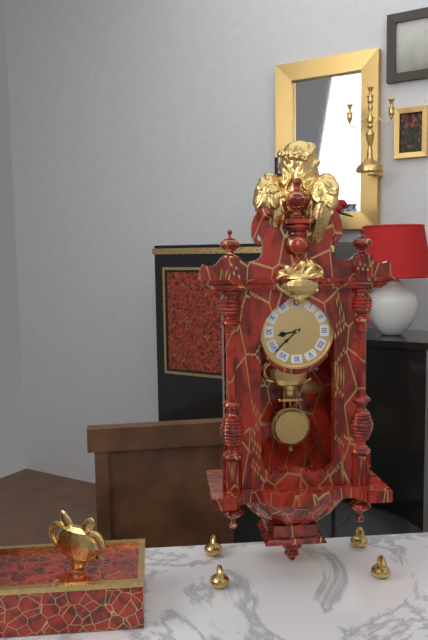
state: 8:38
